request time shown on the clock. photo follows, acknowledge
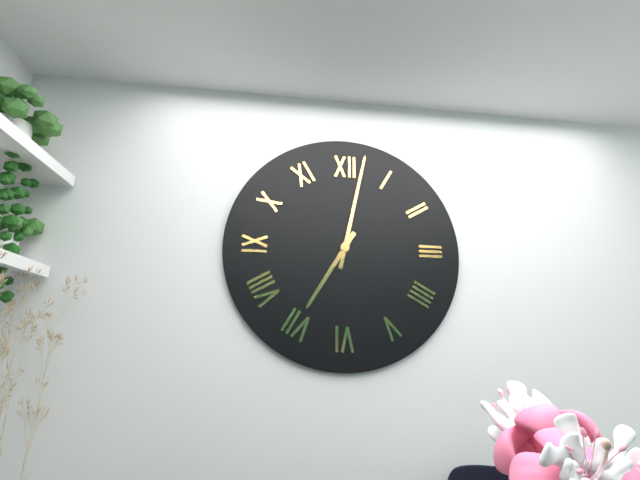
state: 7:02
